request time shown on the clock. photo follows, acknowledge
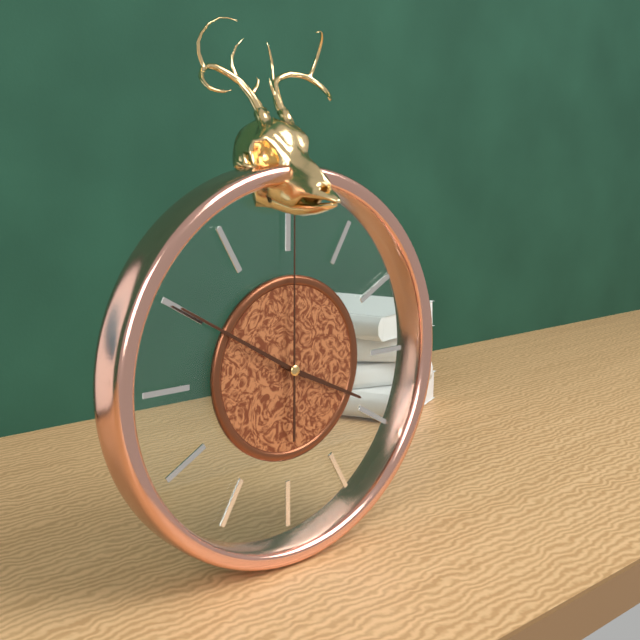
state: 3:50:00
